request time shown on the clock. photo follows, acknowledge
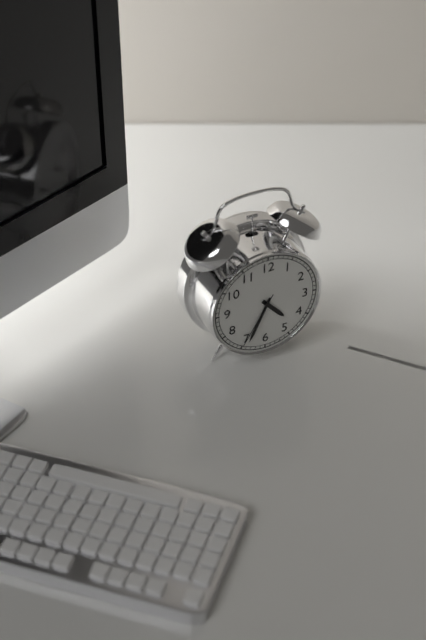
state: 4:34:35
